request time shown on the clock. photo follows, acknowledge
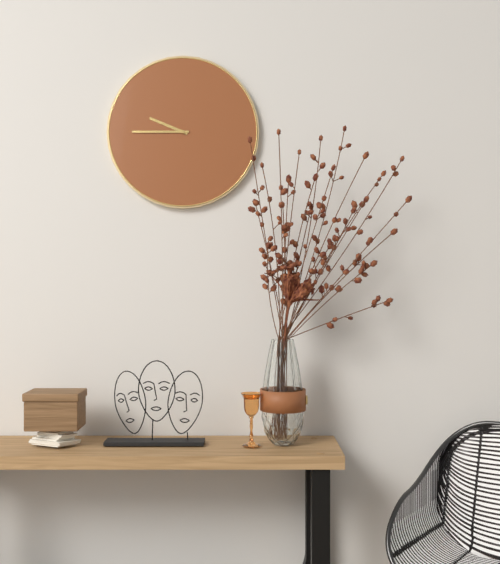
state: 9:45
